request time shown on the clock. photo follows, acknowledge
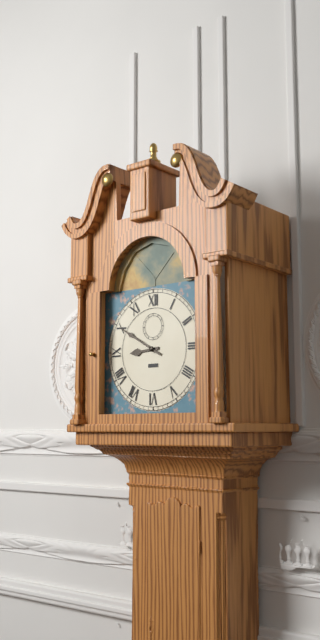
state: 8:50
